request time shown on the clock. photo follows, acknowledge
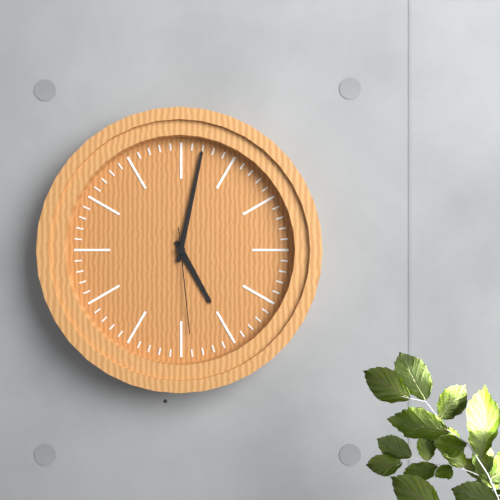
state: 5:02:29
